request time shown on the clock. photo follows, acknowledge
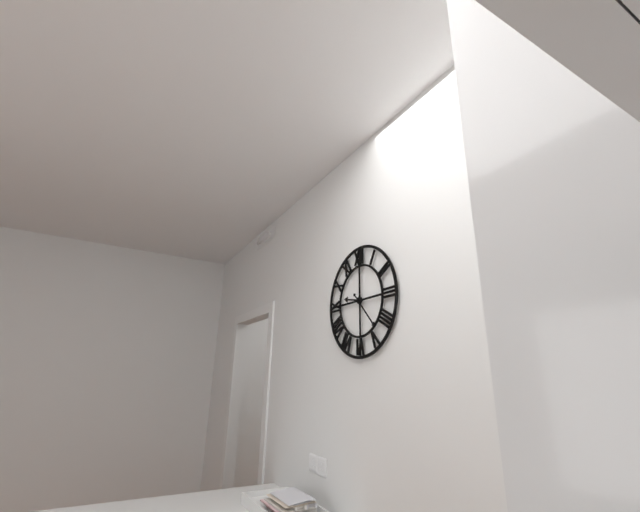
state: 9:23
